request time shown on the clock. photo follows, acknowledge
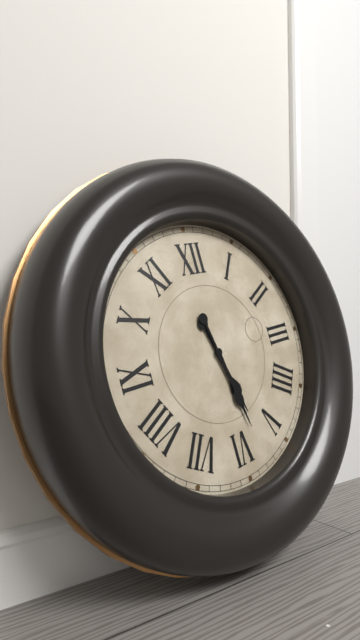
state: 5:28
